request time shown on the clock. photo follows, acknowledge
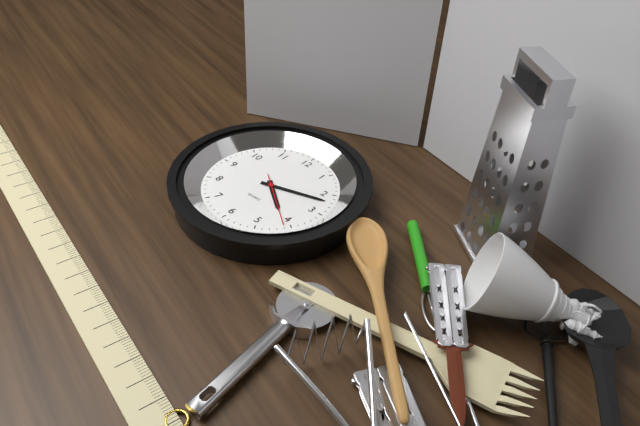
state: 4:12:21
